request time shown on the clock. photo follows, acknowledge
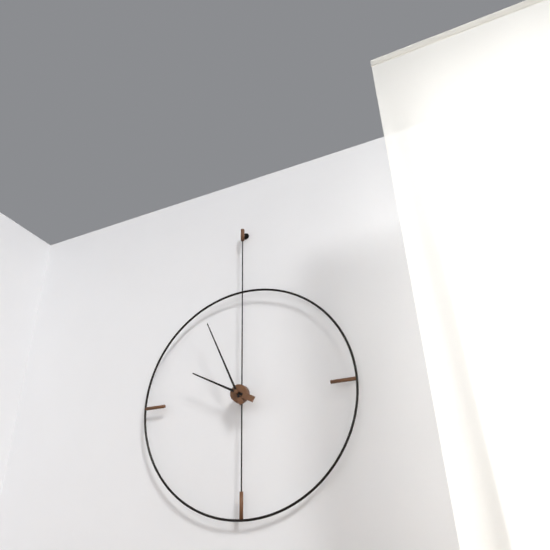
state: 9:56
